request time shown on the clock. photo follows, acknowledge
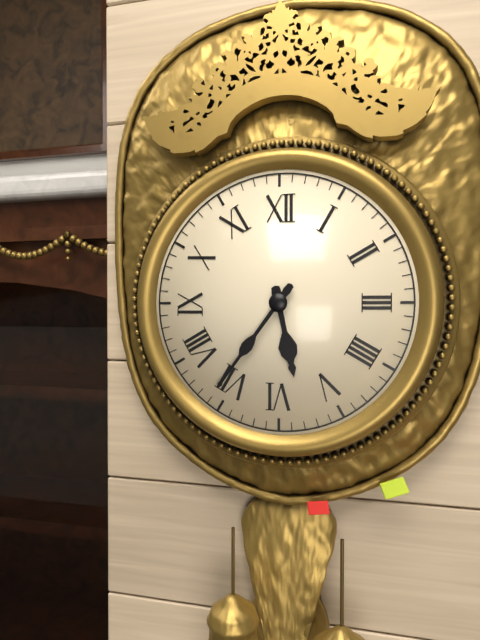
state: 5:36
